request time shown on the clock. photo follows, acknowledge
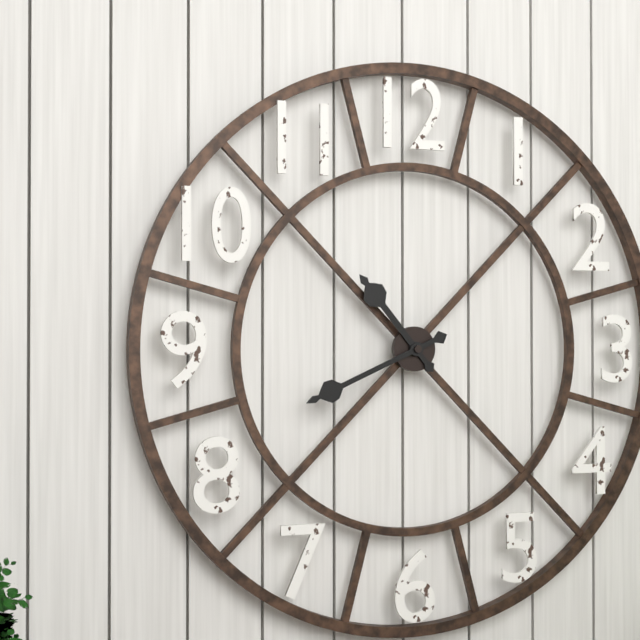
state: 10:41
